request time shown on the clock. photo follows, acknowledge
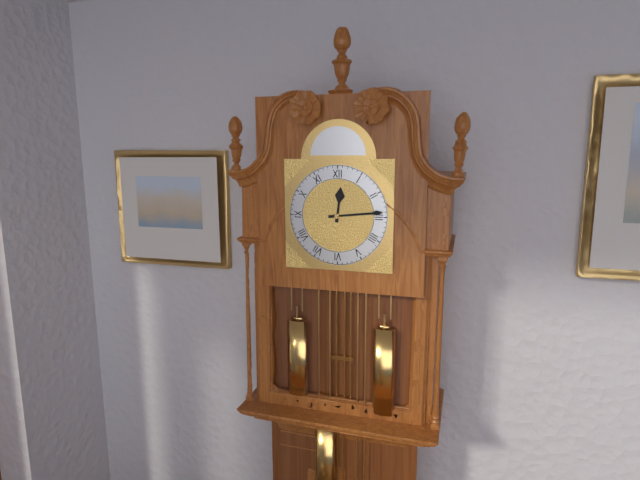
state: 12:14
